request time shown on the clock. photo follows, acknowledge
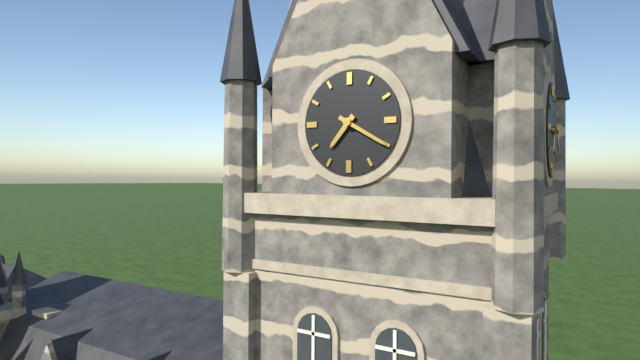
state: 7:20
